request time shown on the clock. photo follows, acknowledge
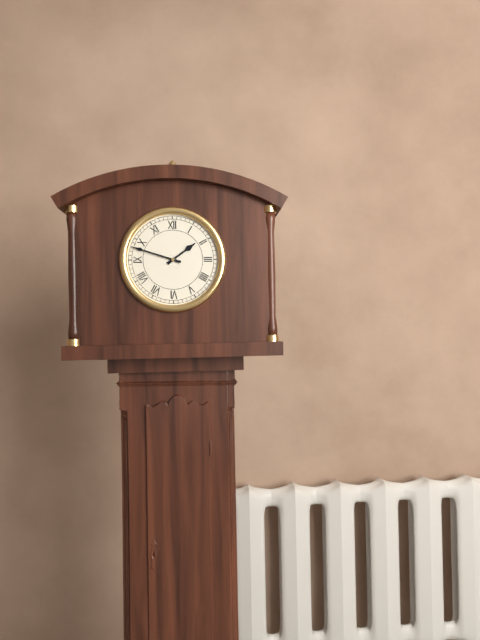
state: 1:48
